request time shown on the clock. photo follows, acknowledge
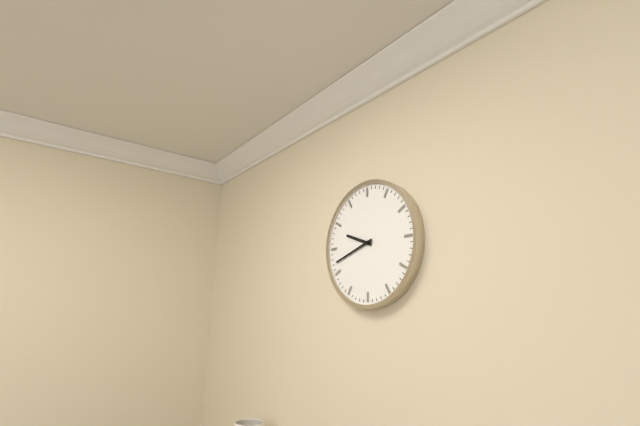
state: 9:42
